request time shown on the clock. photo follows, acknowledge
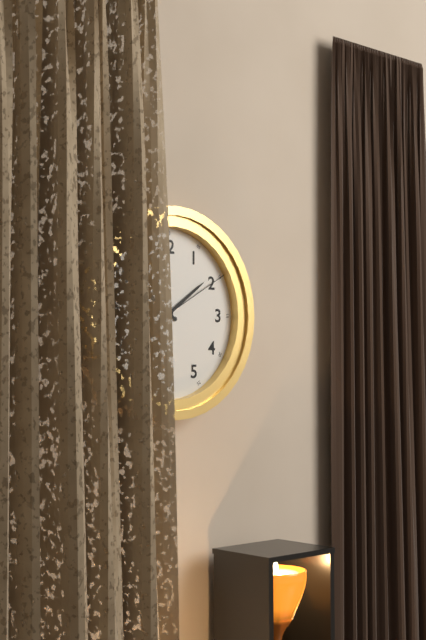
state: 10:09:10
